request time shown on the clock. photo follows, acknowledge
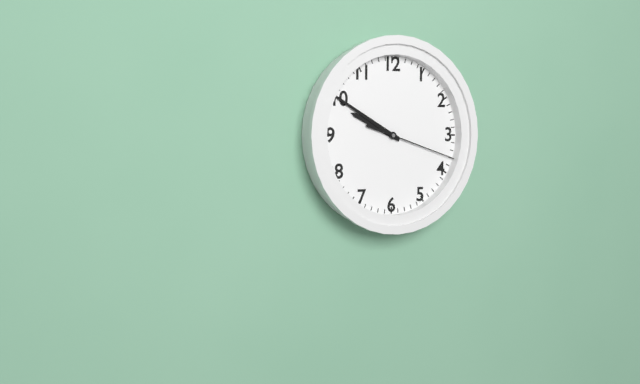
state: 9:50:18
